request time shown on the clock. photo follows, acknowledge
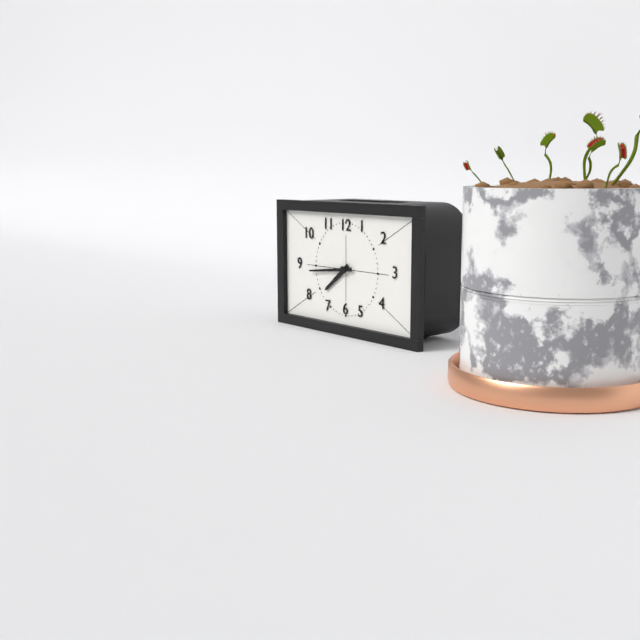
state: 7:44
